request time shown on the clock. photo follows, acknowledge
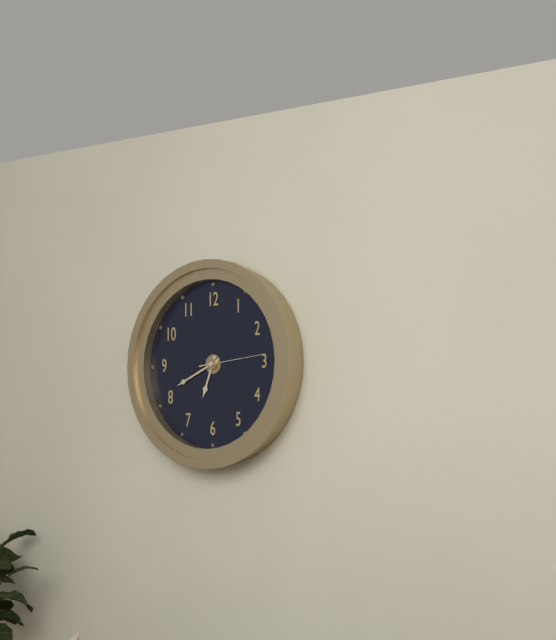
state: 6:41:14
